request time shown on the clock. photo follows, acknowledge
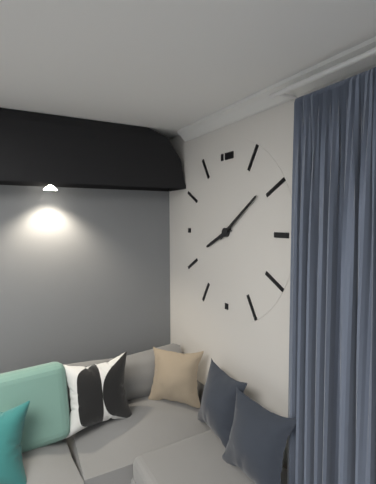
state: 8:09
